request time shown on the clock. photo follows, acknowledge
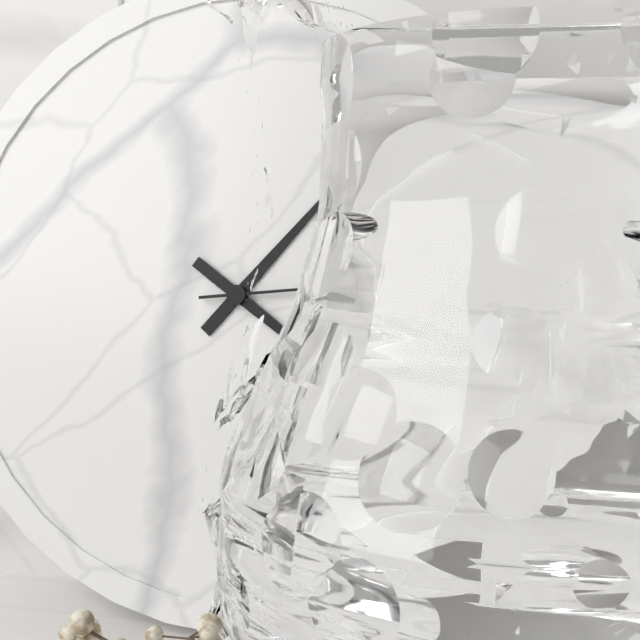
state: 1:21:14
